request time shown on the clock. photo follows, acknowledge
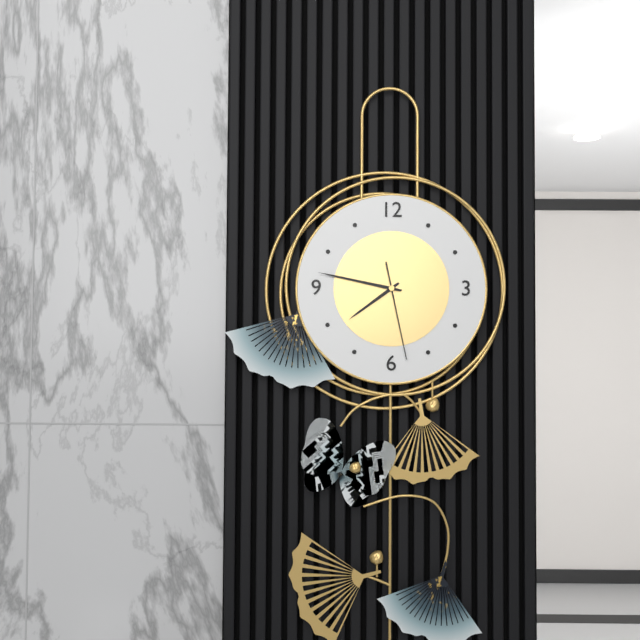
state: 7:47:28
